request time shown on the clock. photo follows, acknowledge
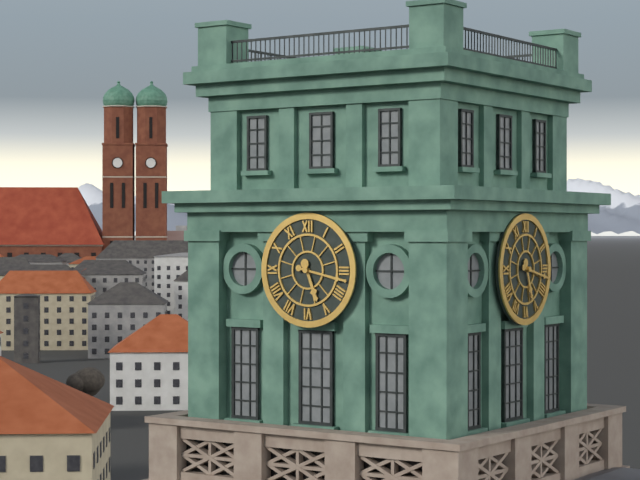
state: 5:17
